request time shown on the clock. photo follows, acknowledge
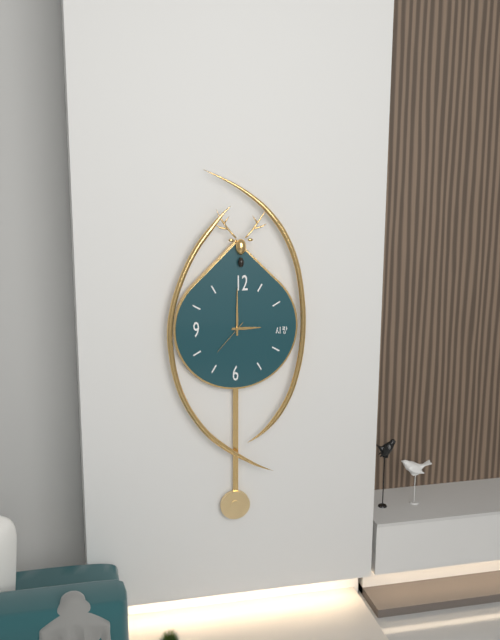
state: 3:00
